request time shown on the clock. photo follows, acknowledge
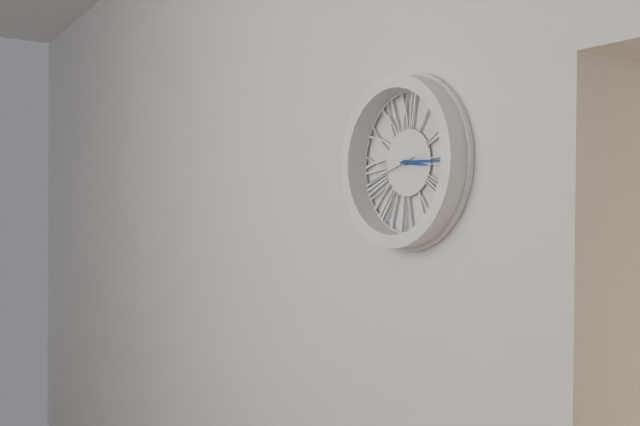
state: 3:15:42
